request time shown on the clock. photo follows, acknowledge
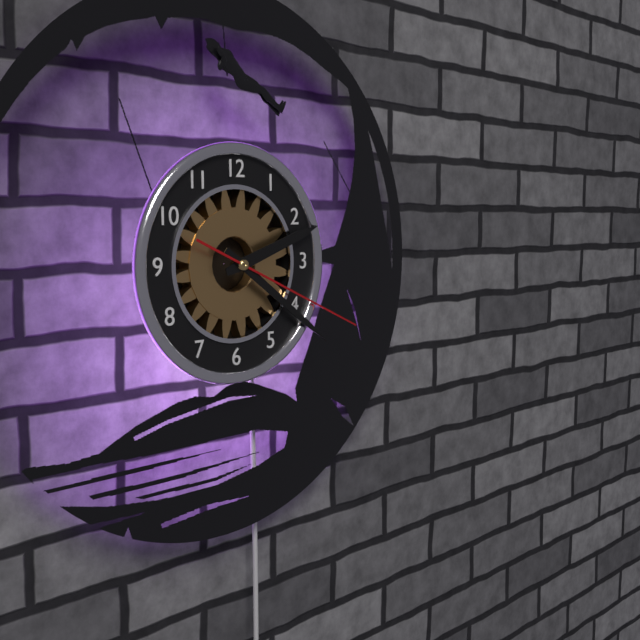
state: 2:21:19
